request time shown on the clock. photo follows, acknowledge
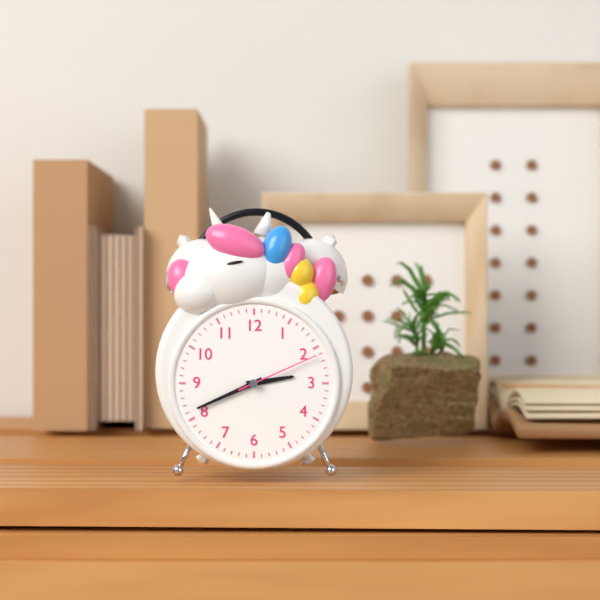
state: 2:41:11
